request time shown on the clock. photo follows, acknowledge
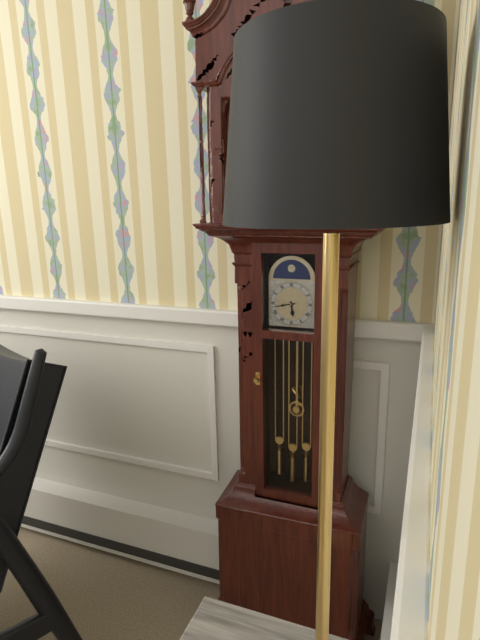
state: 5:43
